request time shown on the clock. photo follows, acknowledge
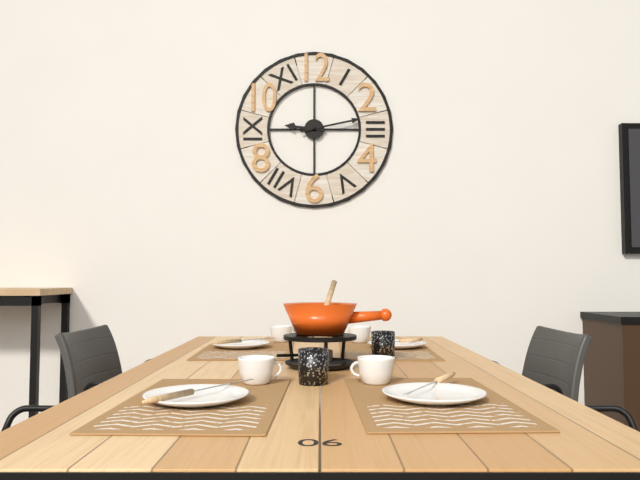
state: 9:13
